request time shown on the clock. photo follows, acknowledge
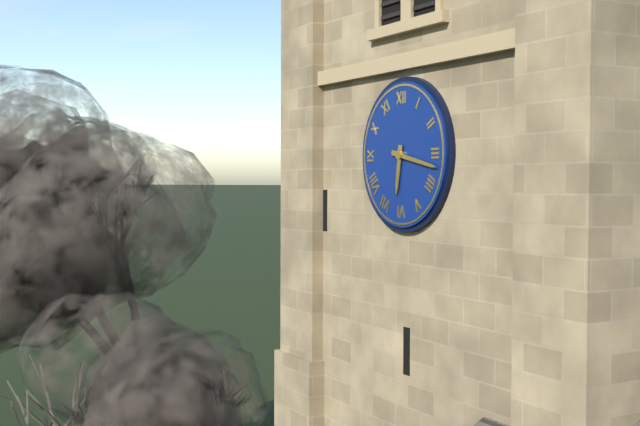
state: 6:17
